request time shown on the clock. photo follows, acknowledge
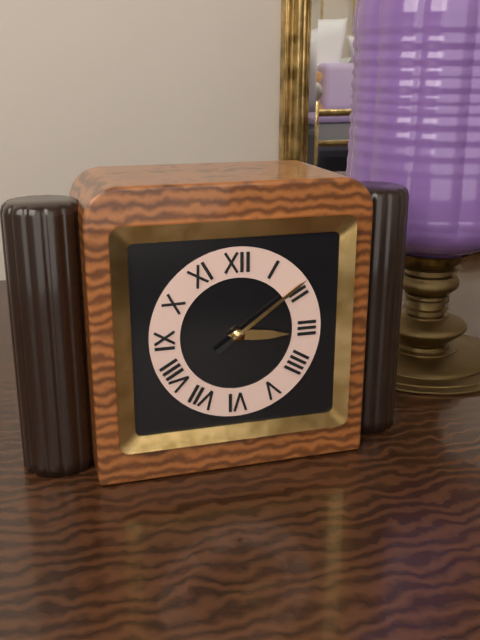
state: 3:09
